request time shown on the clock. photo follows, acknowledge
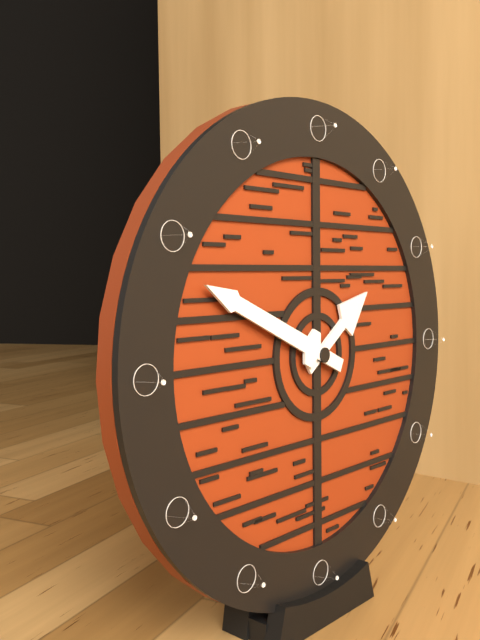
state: 1:49
